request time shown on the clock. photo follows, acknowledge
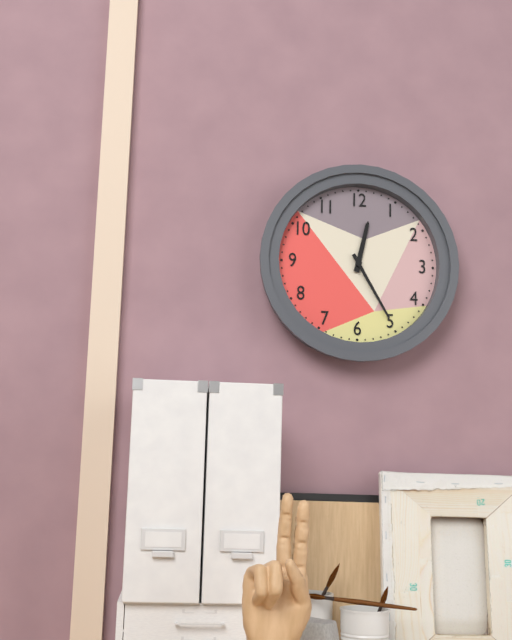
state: 12:25
